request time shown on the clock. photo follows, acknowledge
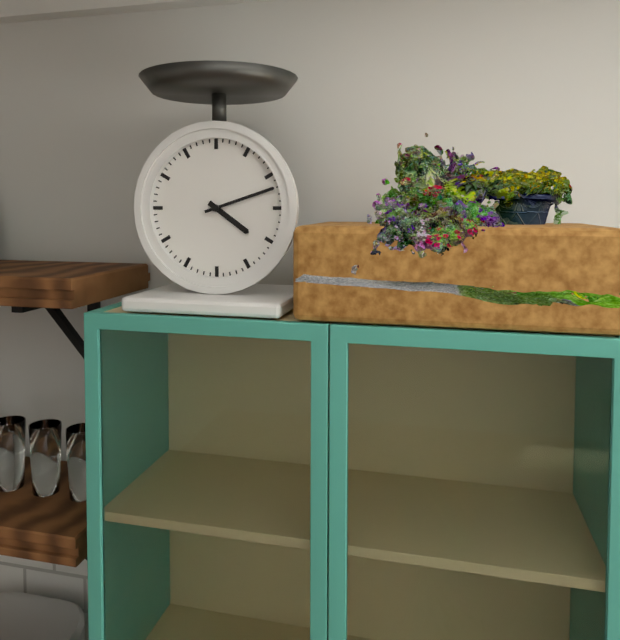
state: 4:12
